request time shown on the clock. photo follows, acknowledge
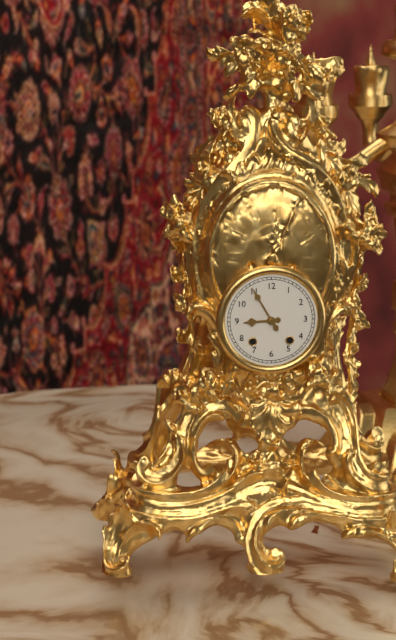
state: 8:55
